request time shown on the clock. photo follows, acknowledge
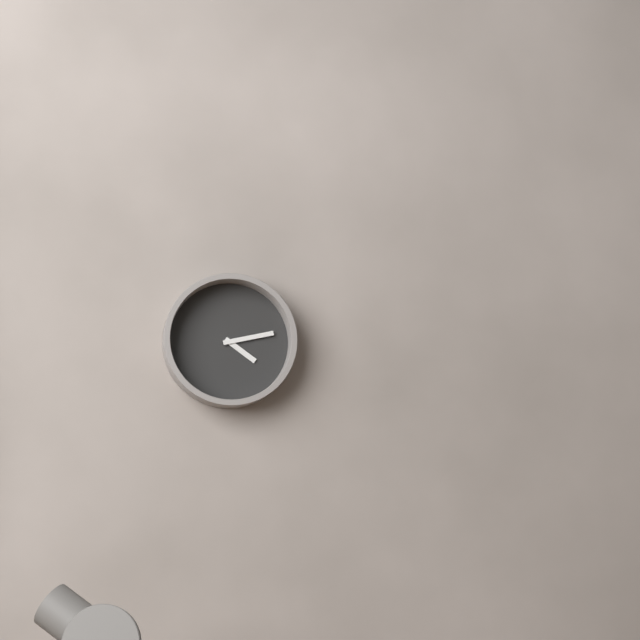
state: 4:13
